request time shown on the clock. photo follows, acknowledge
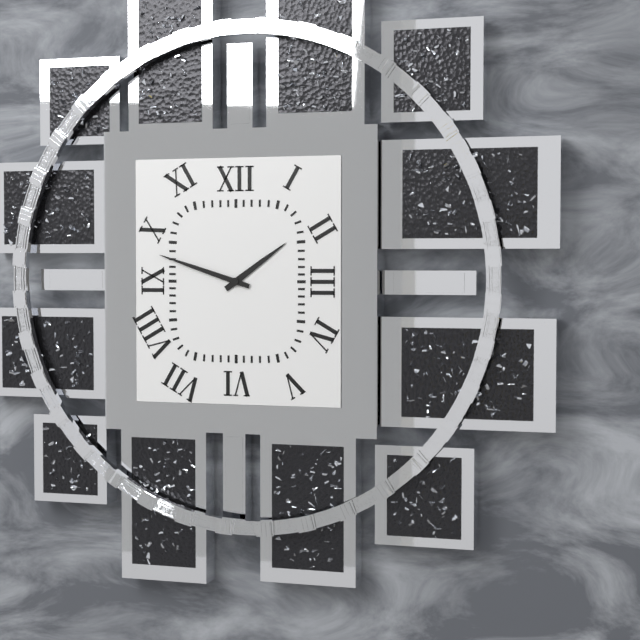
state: 1:48
